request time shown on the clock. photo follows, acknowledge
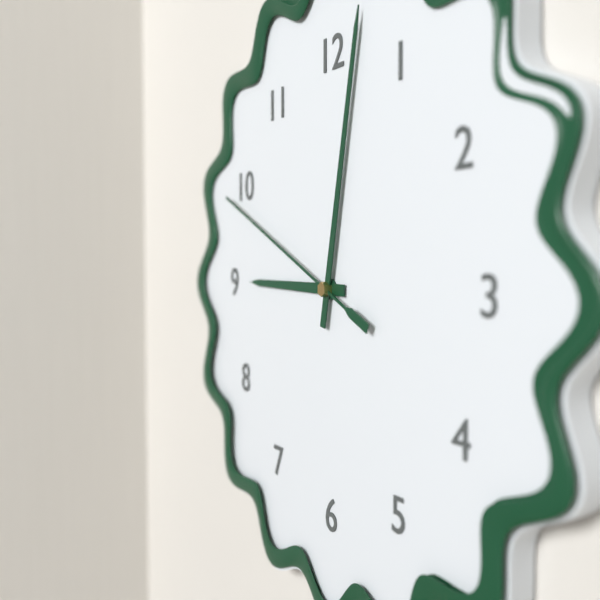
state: 9:02:49
